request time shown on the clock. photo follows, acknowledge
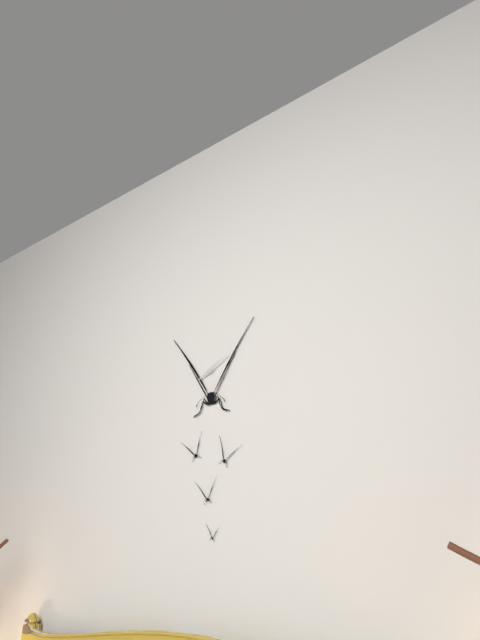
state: 8:10
